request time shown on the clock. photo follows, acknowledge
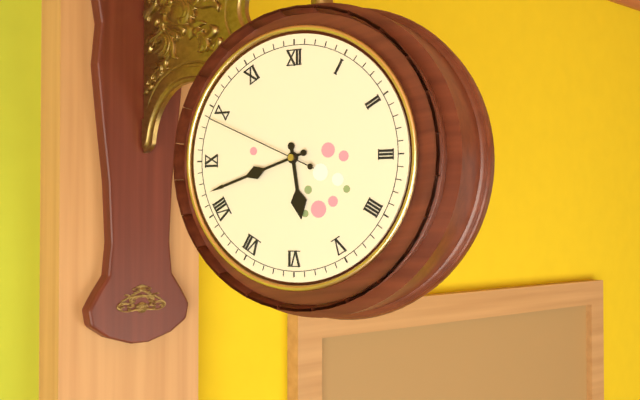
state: 5:42:49
